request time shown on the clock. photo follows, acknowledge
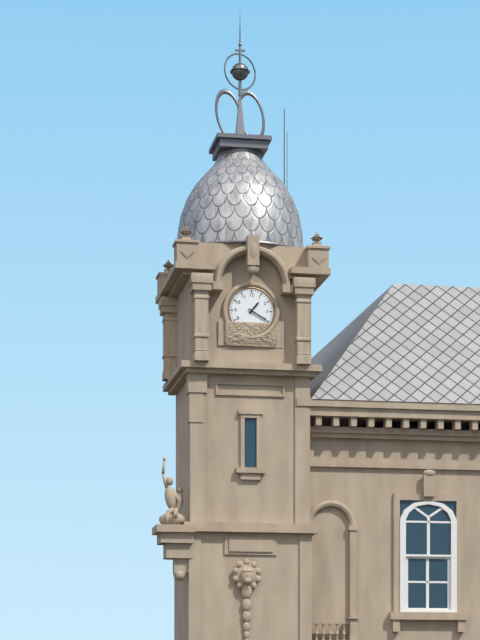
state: 1:20
